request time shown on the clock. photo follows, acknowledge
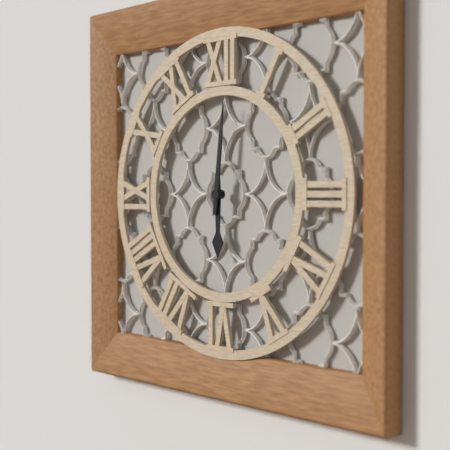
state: 6:01
